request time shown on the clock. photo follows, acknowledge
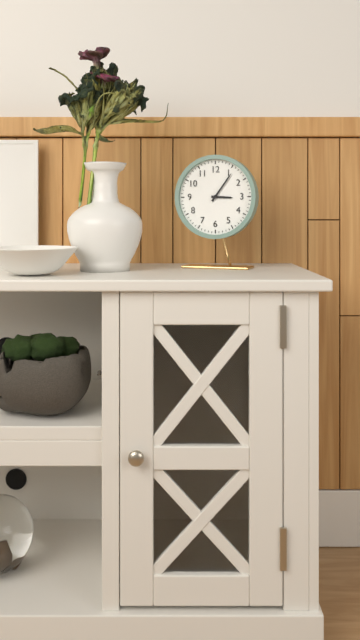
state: 3:06
